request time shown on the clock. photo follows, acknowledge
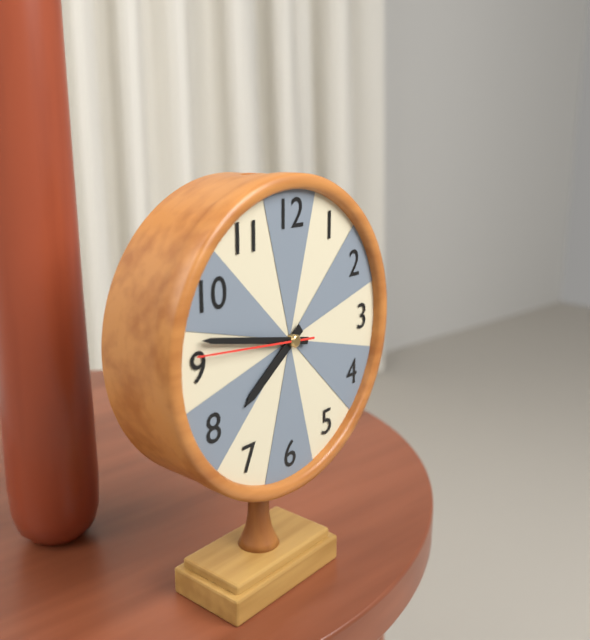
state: 7:47:46
